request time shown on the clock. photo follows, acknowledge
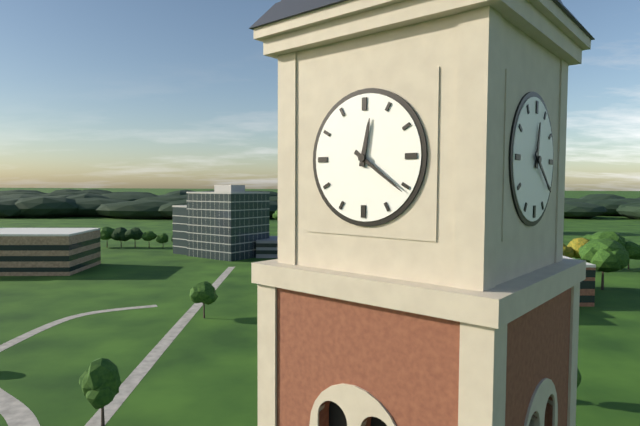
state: 12:21
